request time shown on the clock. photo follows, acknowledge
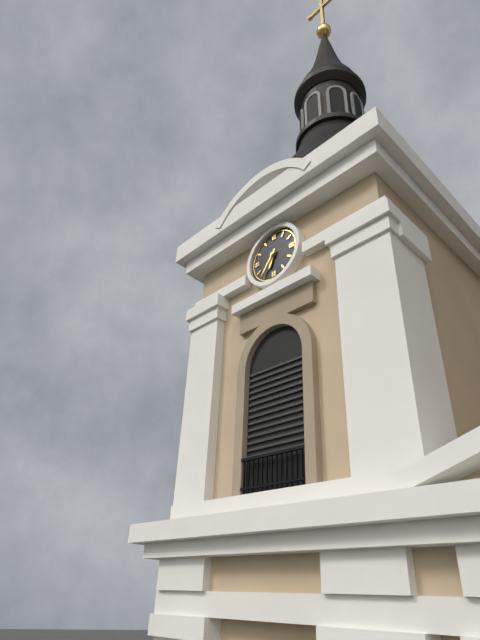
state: 6:36
